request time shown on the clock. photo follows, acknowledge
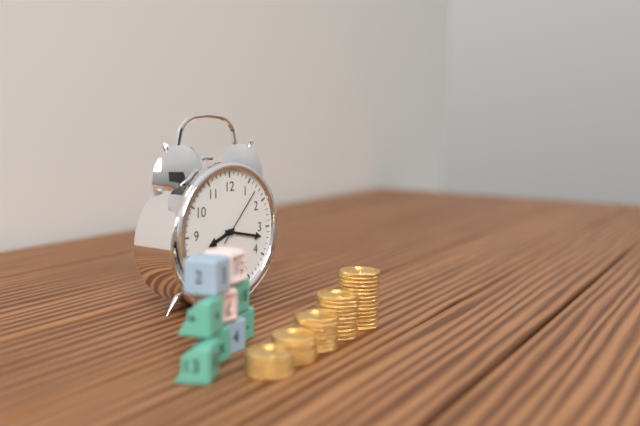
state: 8:17:07
